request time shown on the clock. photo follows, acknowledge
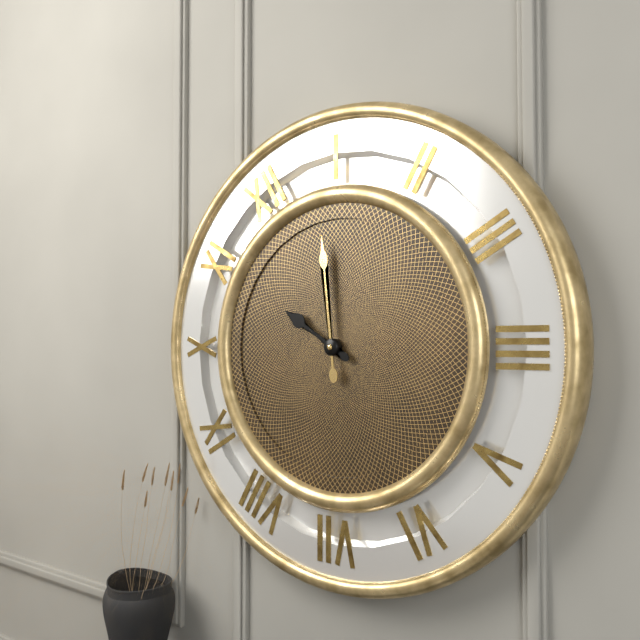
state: 11:04
